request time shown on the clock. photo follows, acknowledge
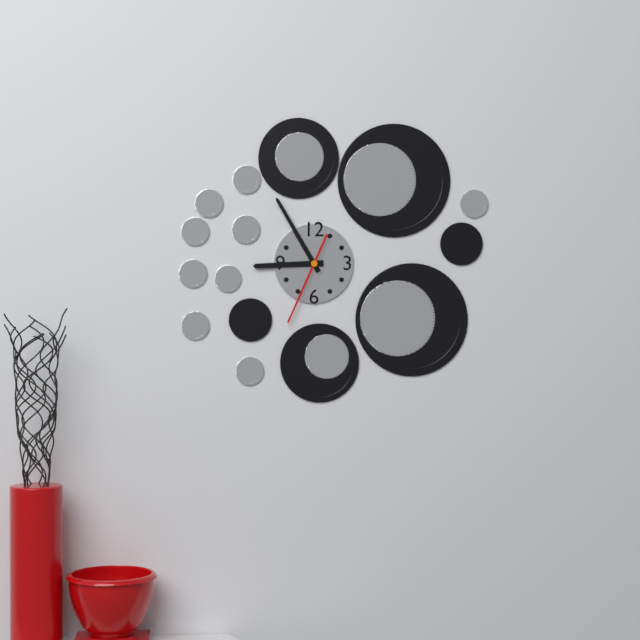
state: 8:55:34
